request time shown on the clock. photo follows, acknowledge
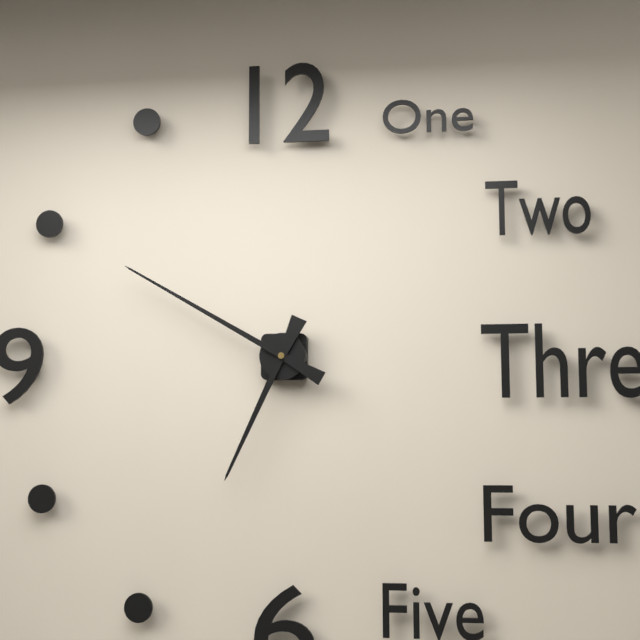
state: 6:50
